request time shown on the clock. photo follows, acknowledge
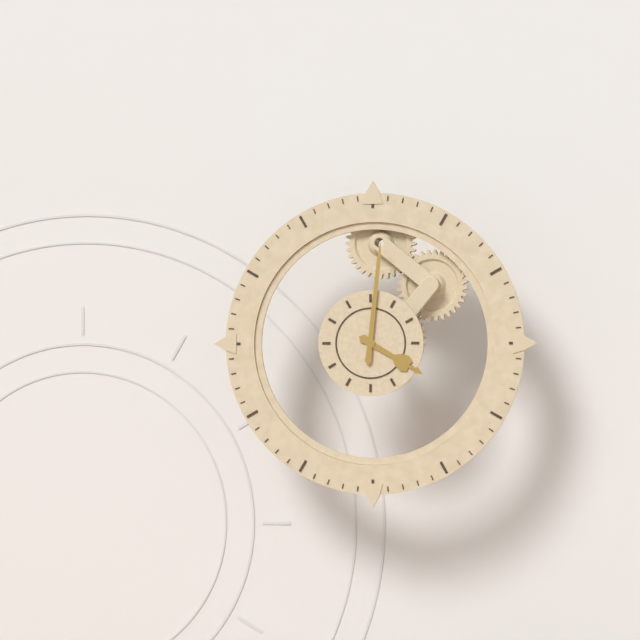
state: 4:01
